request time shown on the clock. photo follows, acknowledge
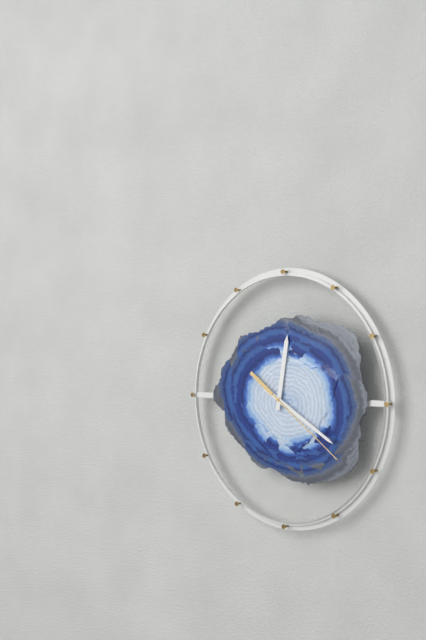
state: 12:20:21
